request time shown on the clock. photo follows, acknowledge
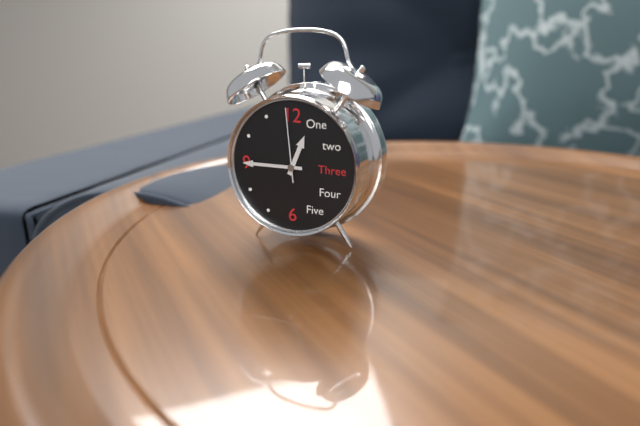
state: 12:45:59
